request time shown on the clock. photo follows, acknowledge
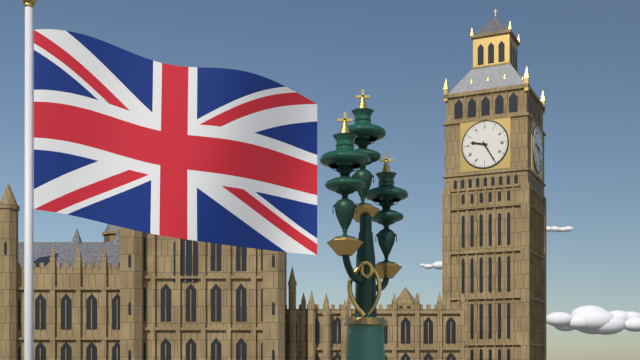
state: 9:25
